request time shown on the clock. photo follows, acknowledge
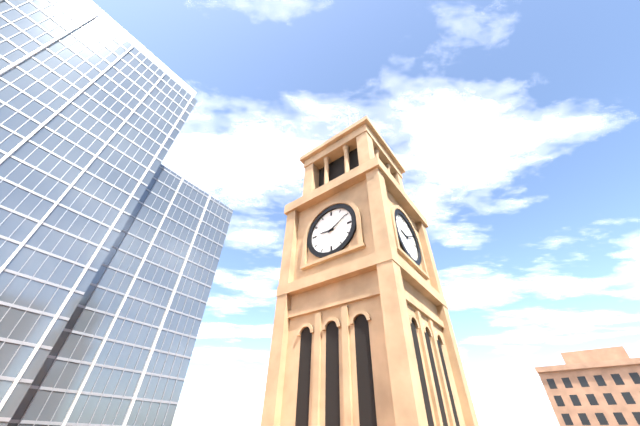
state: 9:10
